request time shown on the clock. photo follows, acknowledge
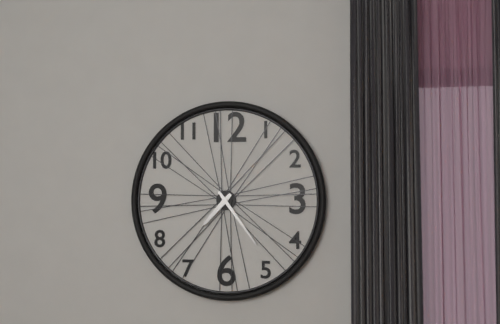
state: 7:24
